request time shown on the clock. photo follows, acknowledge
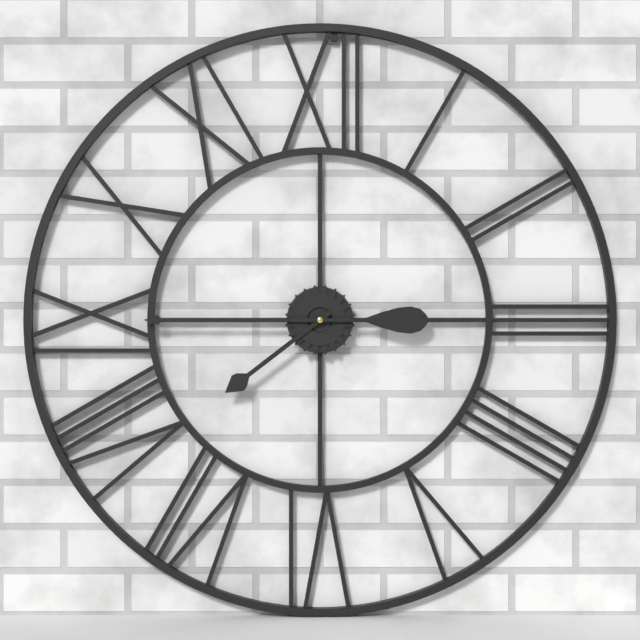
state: 7:45
